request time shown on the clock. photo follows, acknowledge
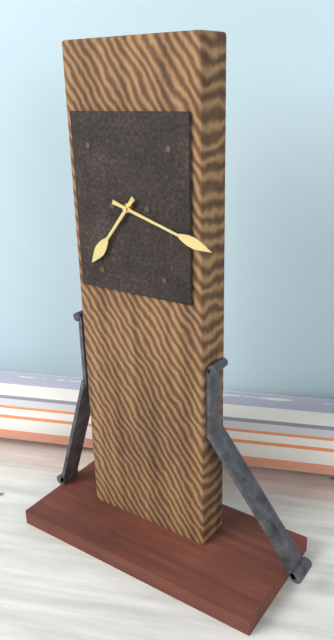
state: 7:18
